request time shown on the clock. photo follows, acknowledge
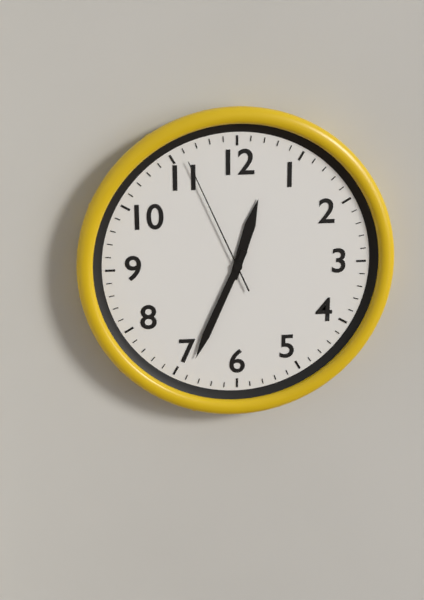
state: 12:34:56
